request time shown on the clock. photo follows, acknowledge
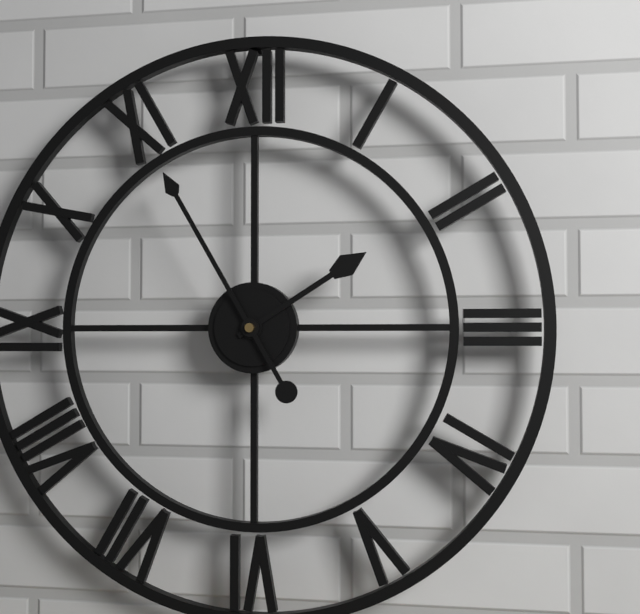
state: 1:55
